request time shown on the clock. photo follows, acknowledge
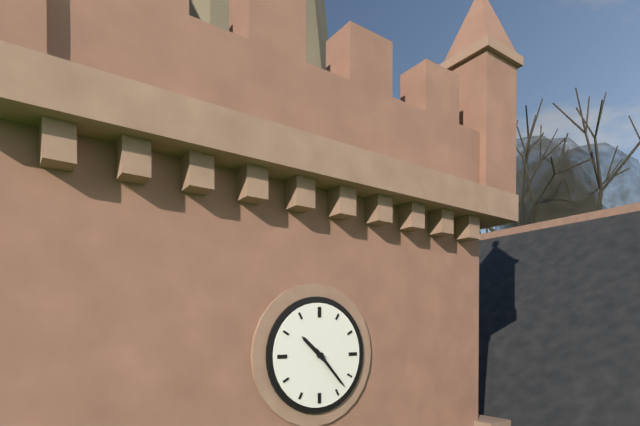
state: 10:23
